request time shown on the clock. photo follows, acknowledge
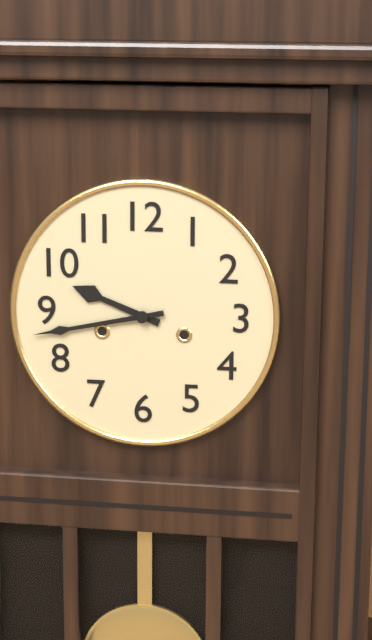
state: 9:43
